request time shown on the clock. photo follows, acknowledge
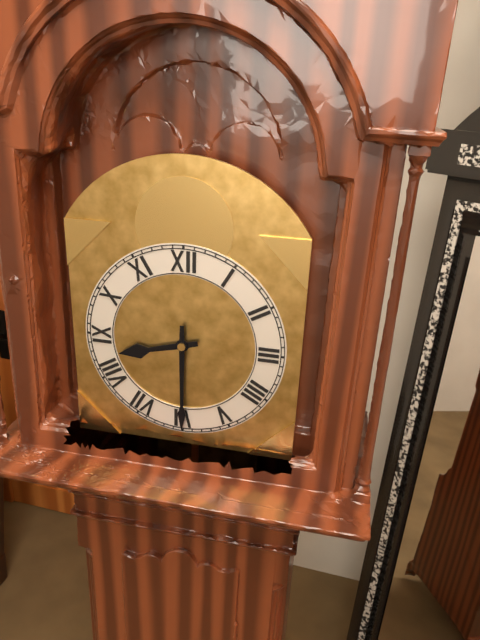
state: 8:30
